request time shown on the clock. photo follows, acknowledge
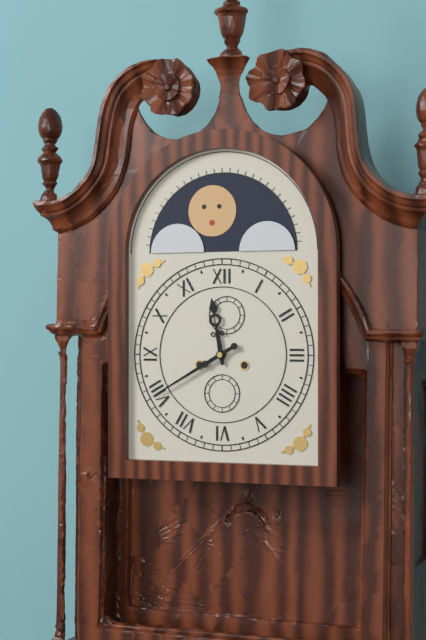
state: 11:40
